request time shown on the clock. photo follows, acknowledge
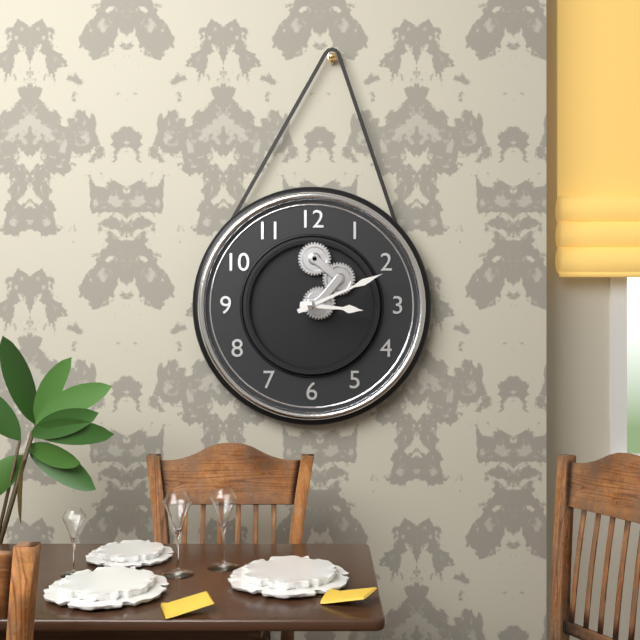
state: 3:11
